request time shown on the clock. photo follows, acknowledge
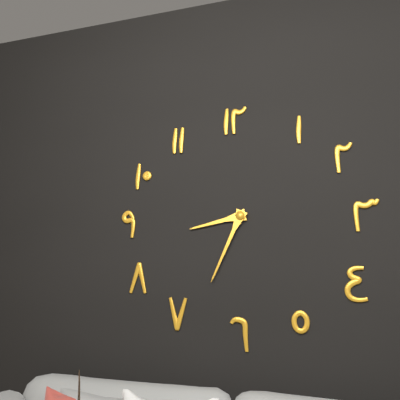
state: 8:34
